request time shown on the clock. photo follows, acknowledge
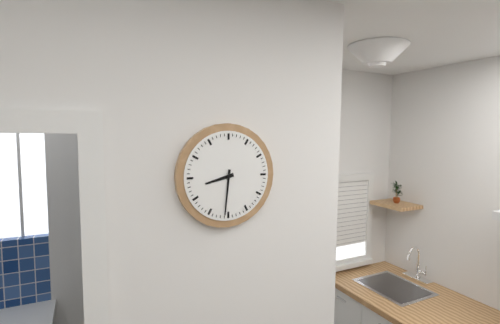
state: 8:31
